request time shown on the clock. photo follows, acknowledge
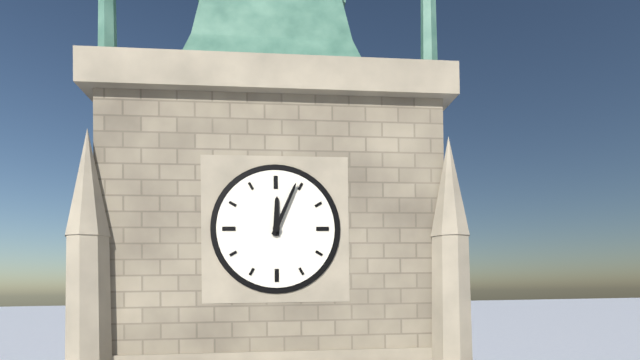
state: 12:04
